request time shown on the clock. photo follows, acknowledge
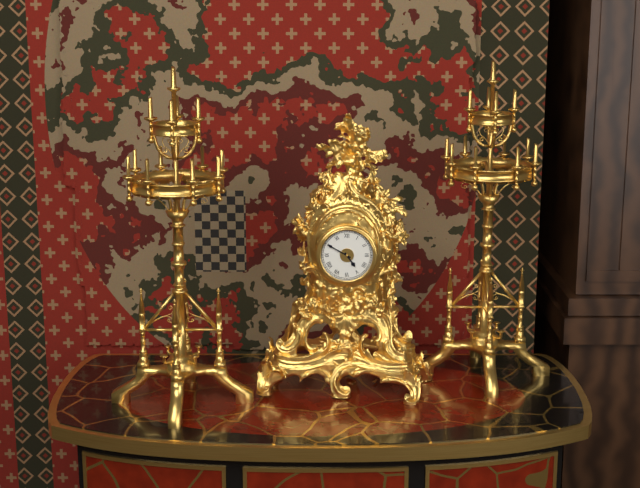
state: 4:50
